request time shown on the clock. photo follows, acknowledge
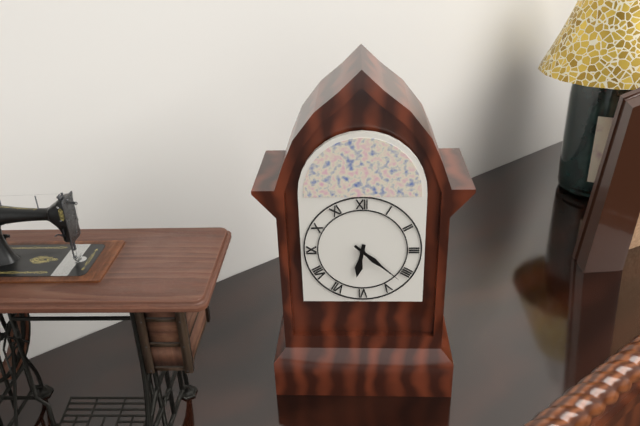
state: 6:22
